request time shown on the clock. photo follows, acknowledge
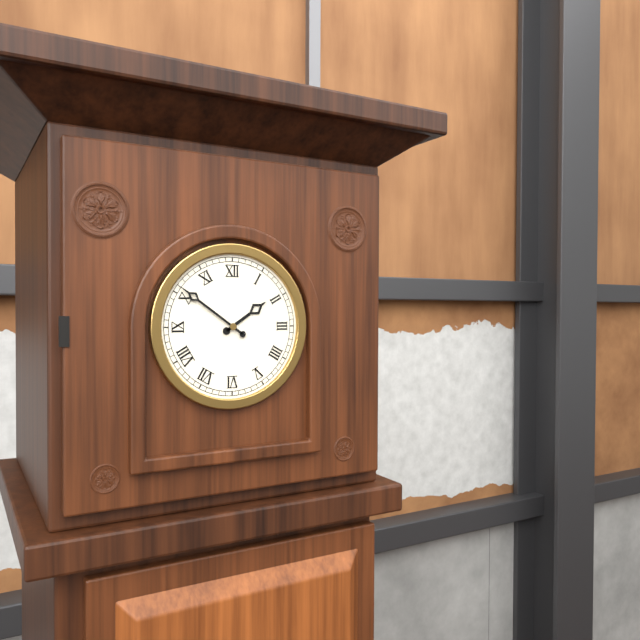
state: 1:51
